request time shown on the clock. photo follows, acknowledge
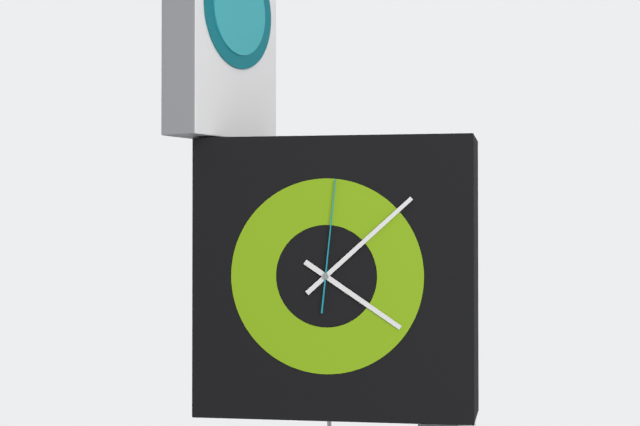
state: 4:08:01
